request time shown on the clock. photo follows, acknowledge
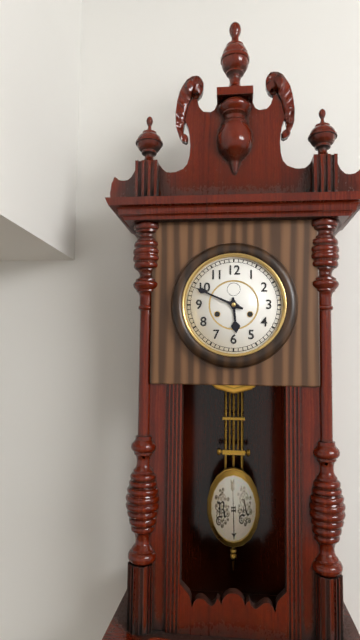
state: 5:49
